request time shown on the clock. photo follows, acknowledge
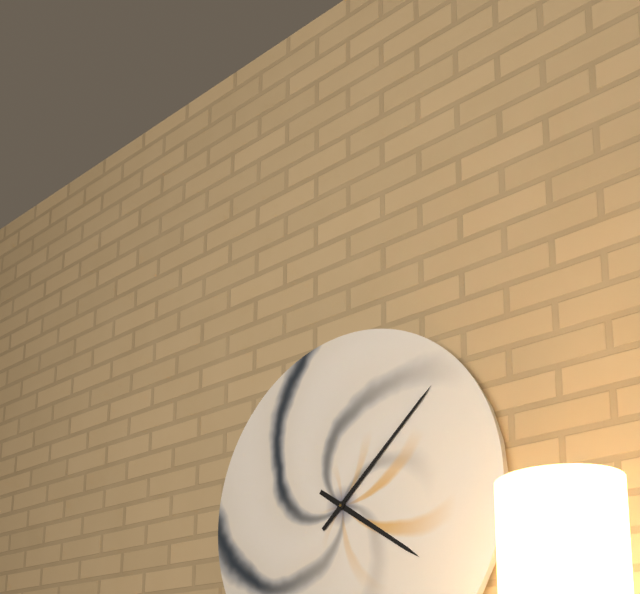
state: 4:08
